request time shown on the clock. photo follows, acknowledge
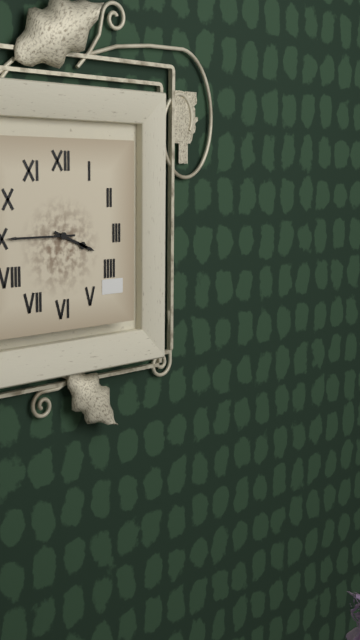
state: 3:45
